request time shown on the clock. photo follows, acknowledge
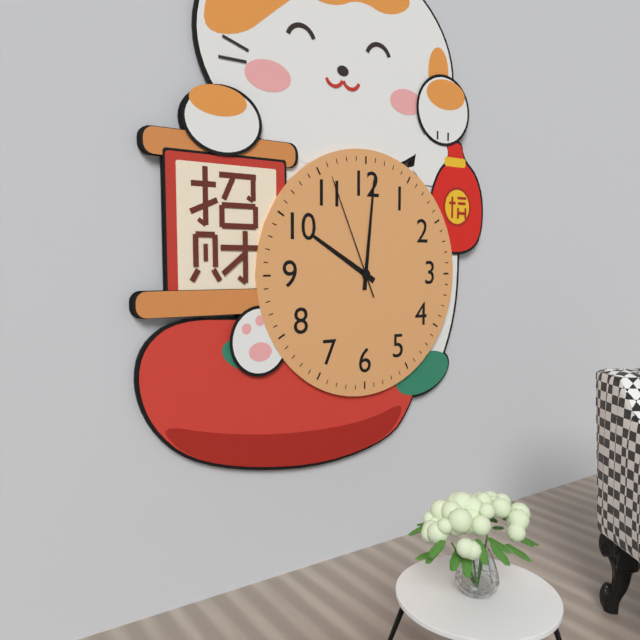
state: 10:01:56
